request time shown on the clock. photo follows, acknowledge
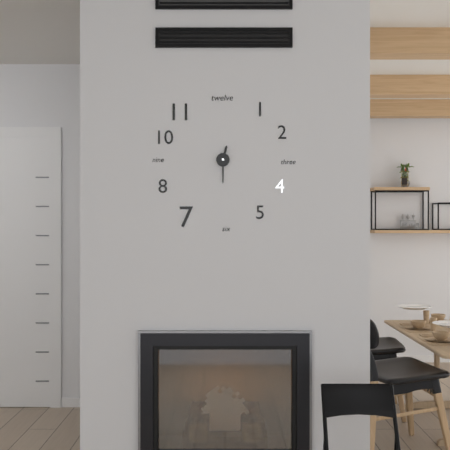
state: 12:30
